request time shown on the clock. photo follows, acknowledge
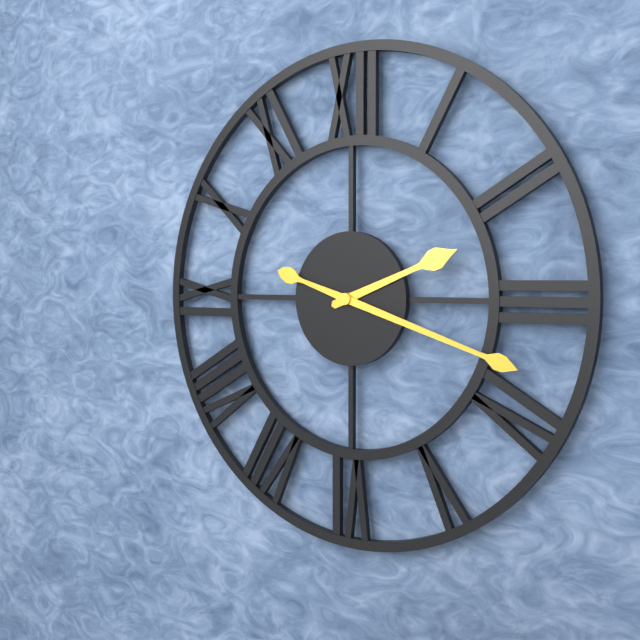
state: 2:18
